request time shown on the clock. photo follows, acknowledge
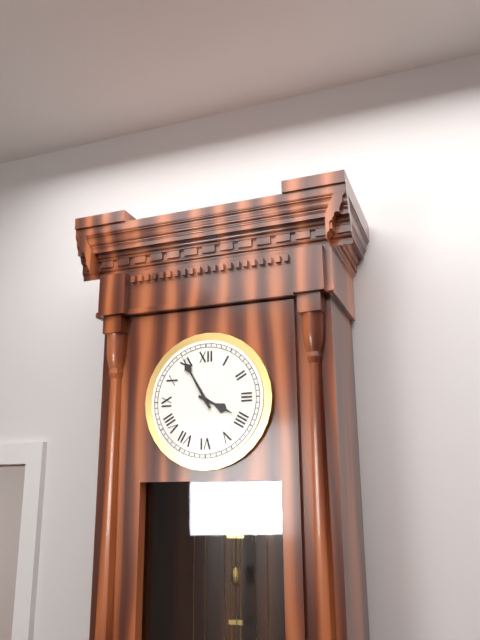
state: 3:55
